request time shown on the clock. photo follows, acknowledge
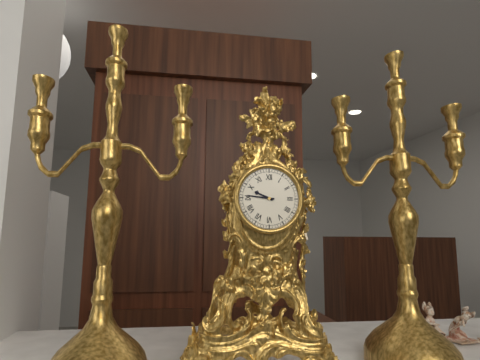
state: 9:46
